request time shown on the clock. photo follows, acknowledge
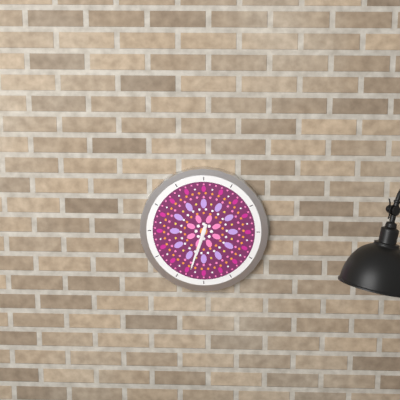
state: 6:33
